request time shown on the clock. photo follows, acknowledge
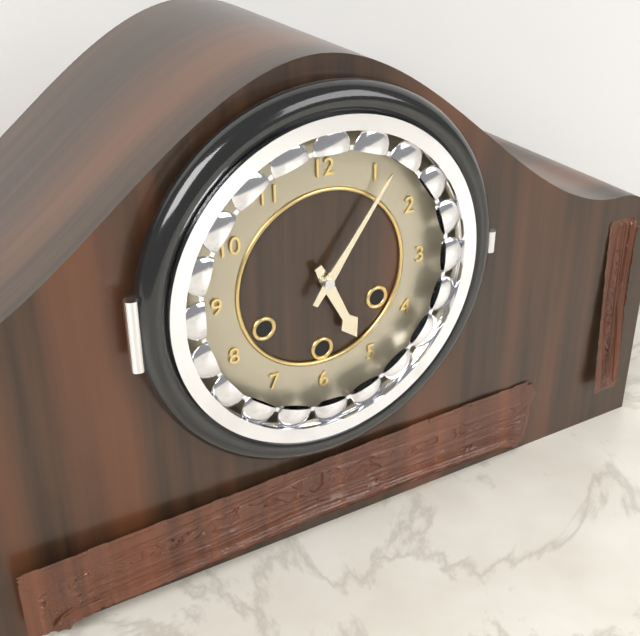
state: 5:06
